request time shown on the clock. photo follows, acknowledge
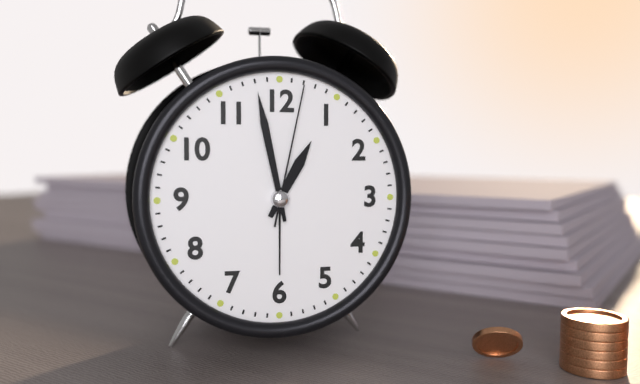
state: 12:58:02
